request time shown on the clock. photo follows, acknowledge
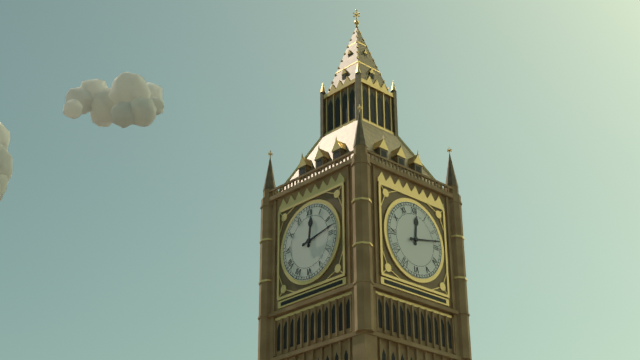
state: 12:13
